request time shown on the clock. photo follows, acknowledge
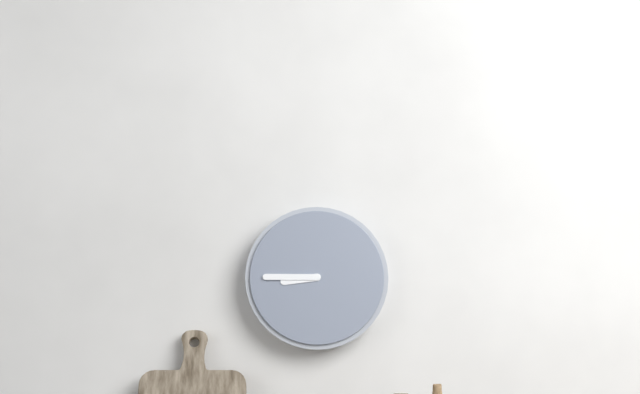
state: 8:45
